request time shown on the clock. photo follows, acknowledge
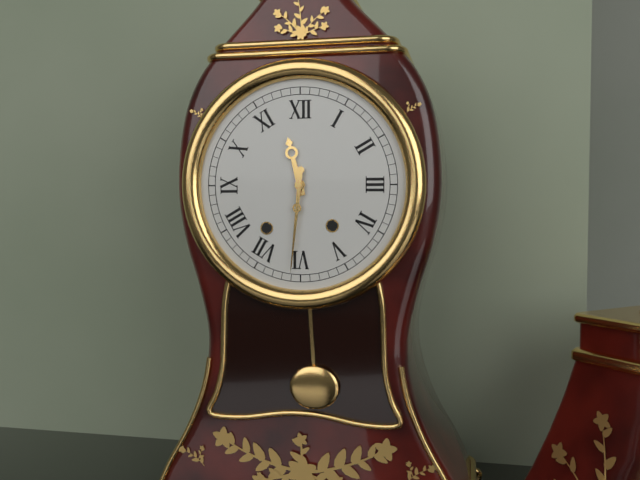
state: 11:31
